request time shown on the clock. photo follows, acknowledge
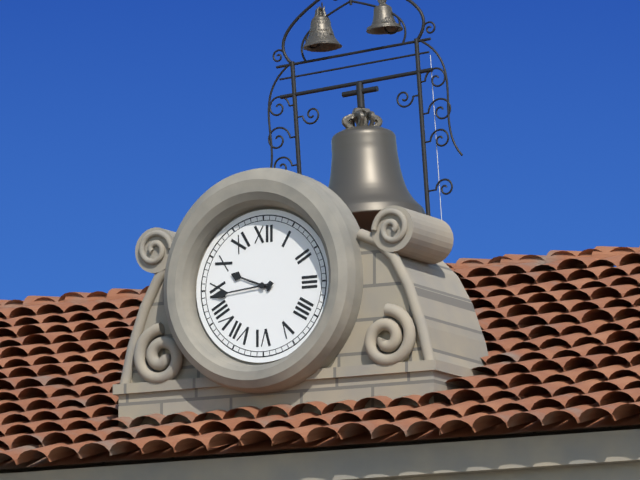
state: 9:44
